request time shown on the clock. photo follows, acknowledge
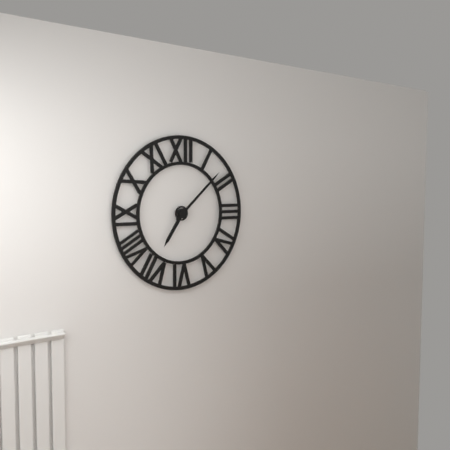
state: 7:08
